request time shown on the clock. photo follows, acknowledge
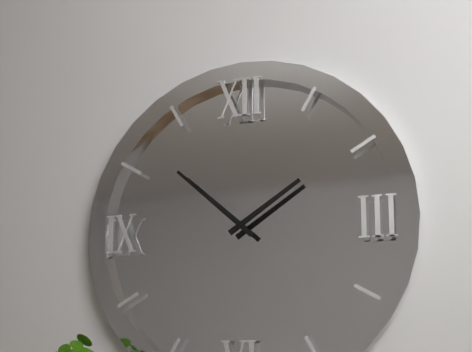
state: 1:52
